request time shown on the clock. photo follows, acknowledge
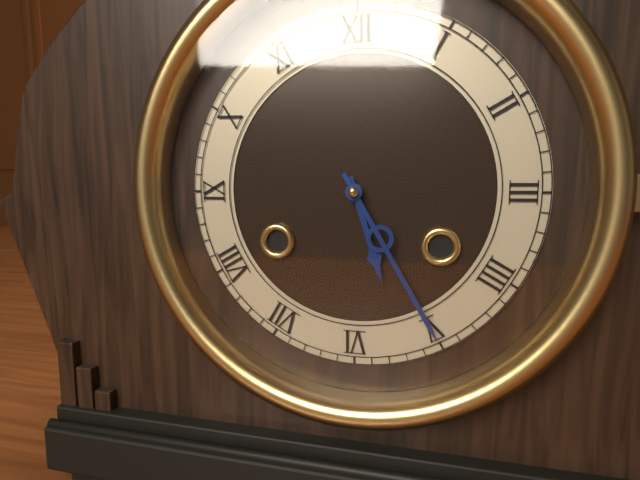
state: 5:25
